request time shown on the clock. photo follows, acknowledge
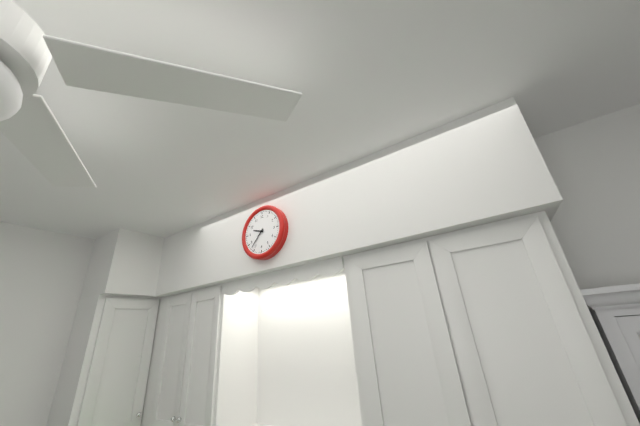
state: 9:37
